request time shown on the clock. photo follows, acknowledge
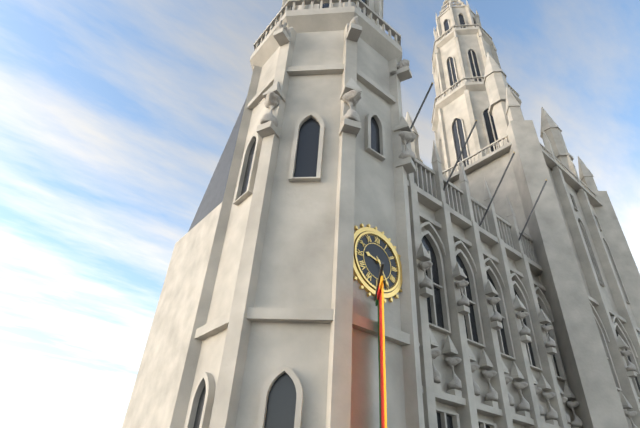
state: 9:25
